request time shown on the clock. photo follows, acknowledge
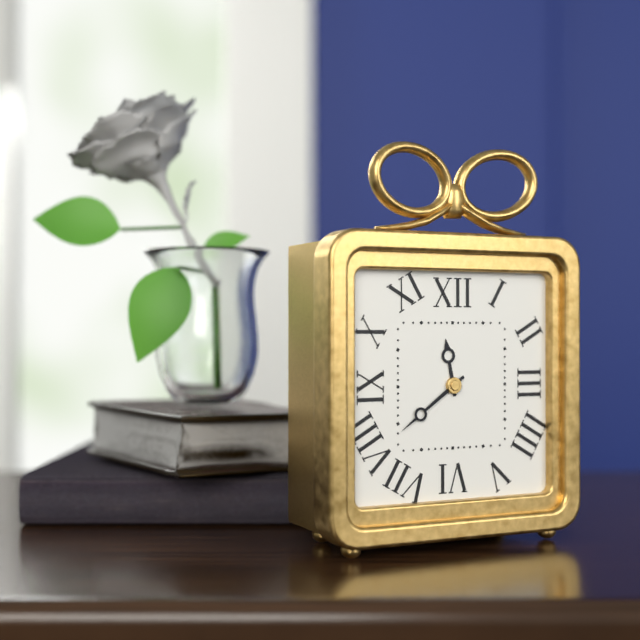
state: 11:39
